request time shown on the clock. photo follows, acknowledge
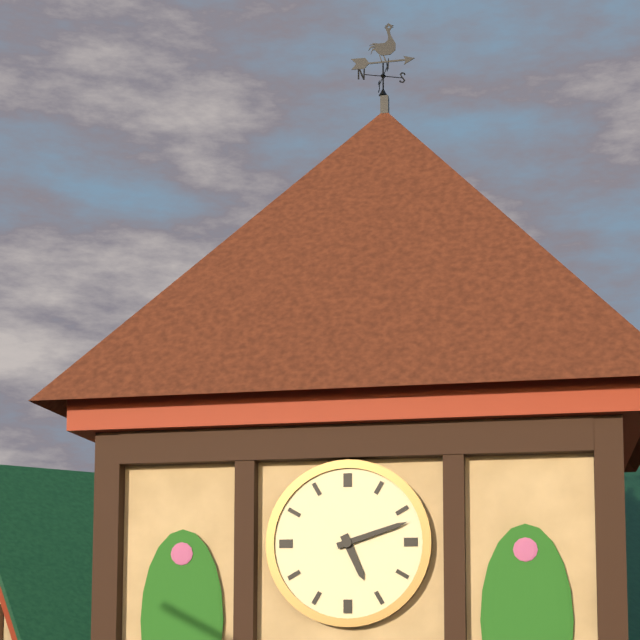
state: 5:12
